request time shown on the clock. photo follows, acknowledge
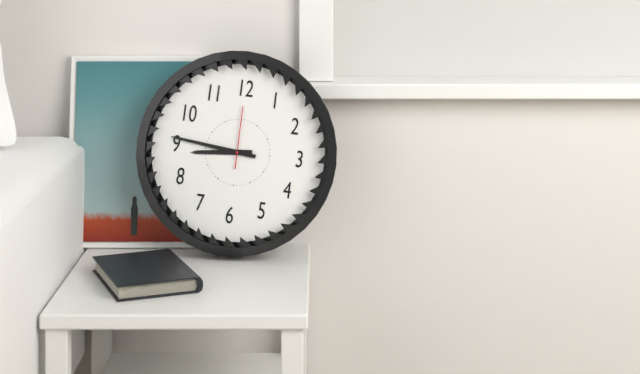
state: 8:46:00
